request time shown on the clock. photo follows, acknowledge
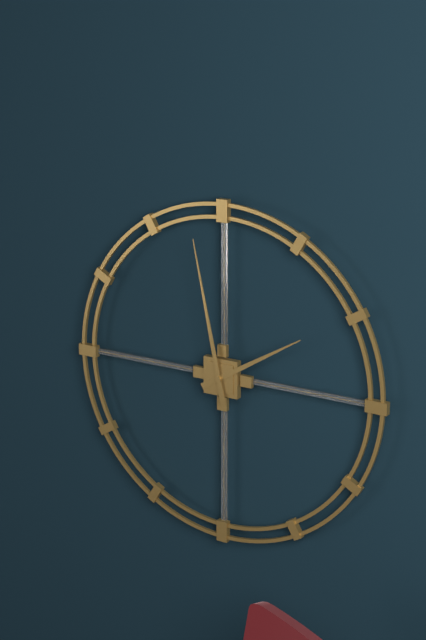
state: 1:58
